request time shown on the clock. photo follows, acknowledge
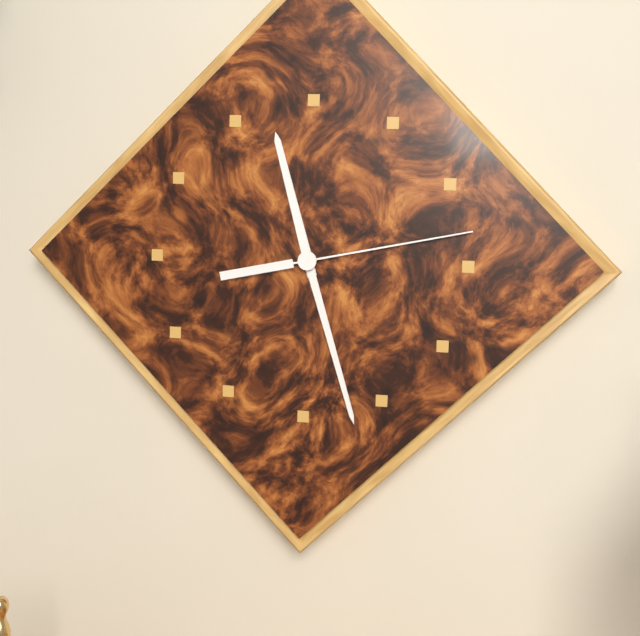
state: 11:27:13
